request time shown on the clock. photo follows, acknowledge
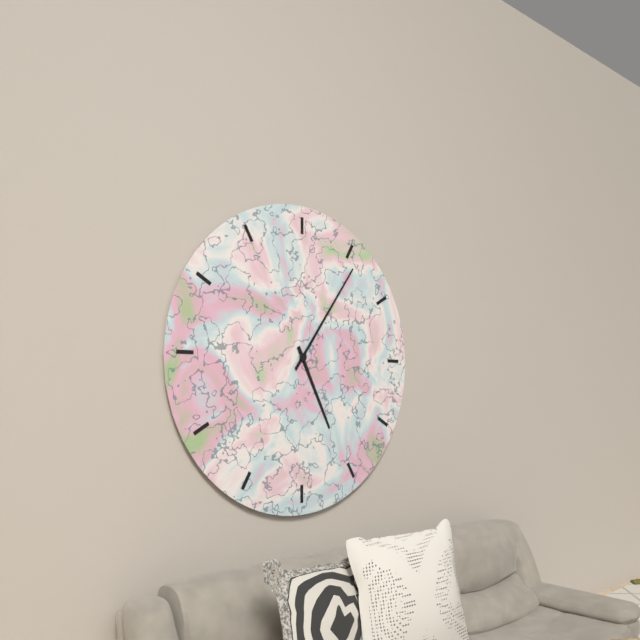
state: 5:06
